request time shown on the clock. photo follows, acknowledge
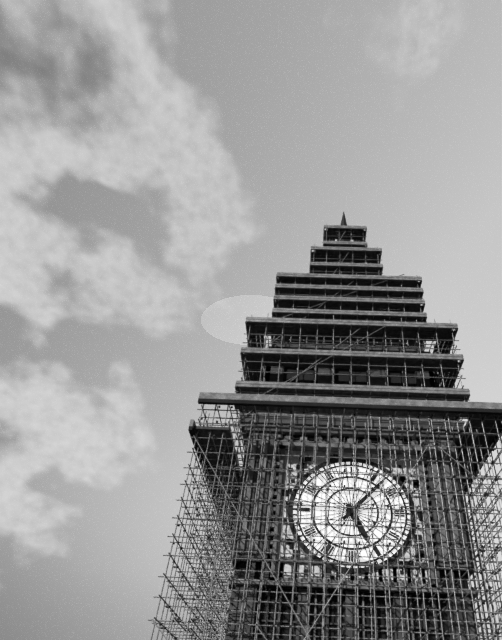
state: 5:07
